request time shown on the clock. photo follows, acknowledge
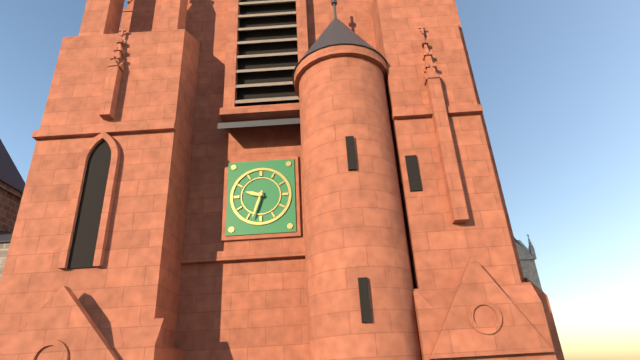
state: 9:33
